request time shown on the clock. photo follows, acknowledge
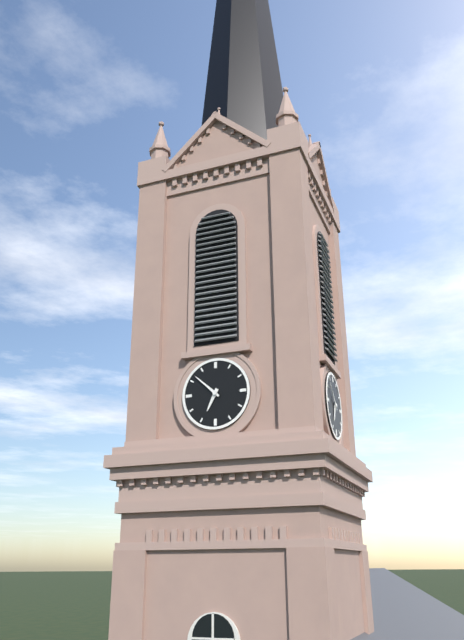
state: 6:52
